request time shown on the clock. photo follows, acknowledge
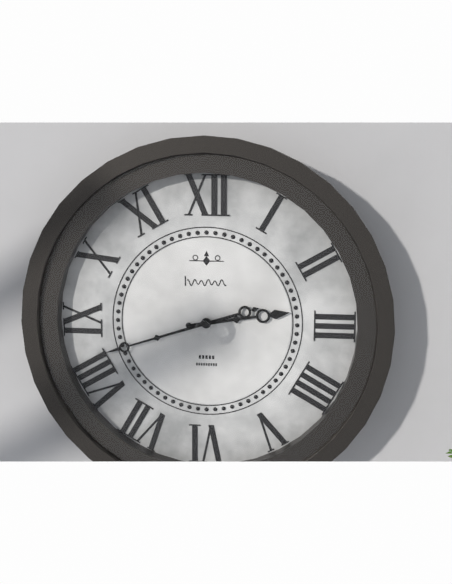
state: 2:42
